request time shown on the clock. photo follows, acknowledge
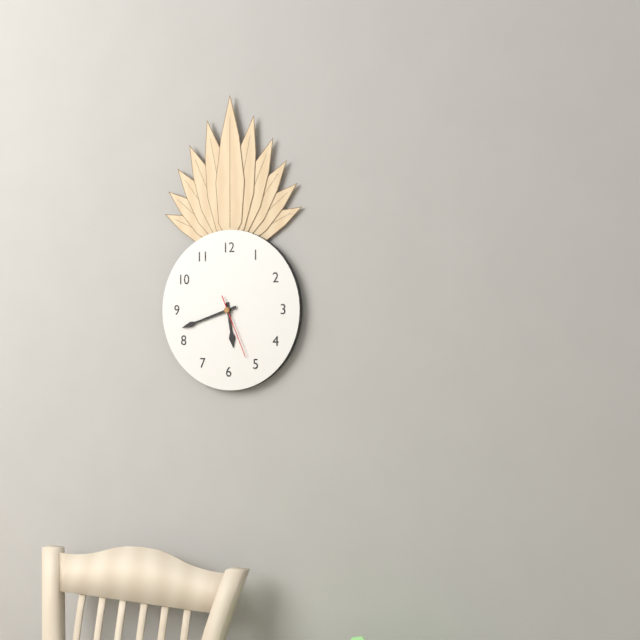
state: 5:42:26
